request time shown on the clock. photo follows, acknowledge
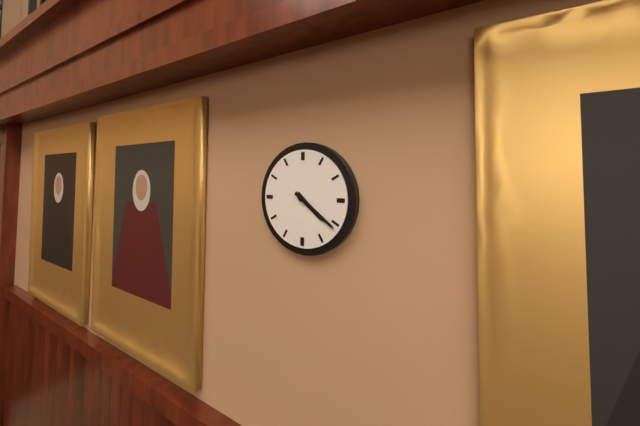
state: 4:21
